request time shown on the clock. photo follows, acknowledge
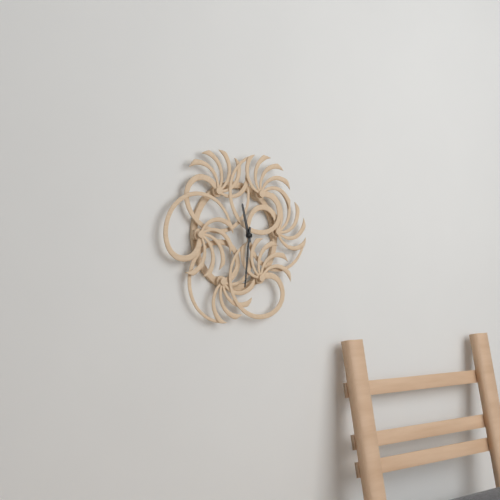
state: 11:31
